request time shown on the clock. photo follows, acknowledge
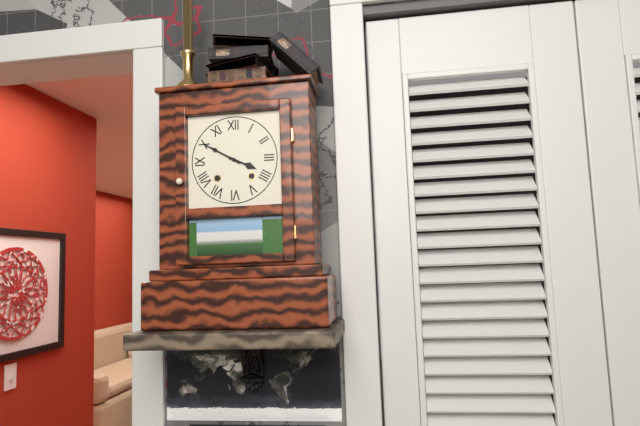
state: 3:50
